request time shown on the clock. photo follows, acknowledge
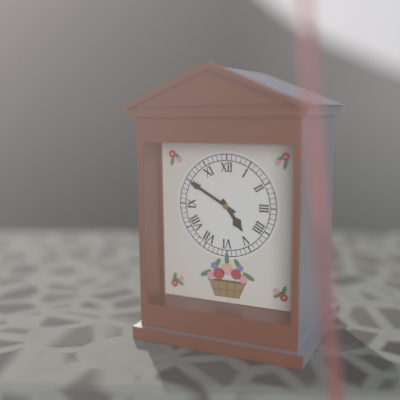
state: 4:50
